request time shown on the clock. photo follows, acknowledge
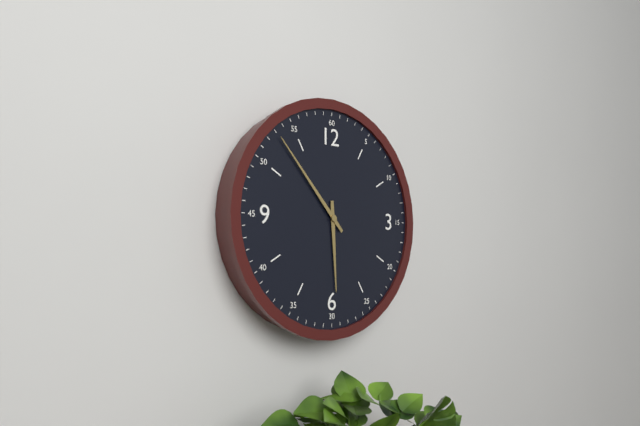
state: 5:53
